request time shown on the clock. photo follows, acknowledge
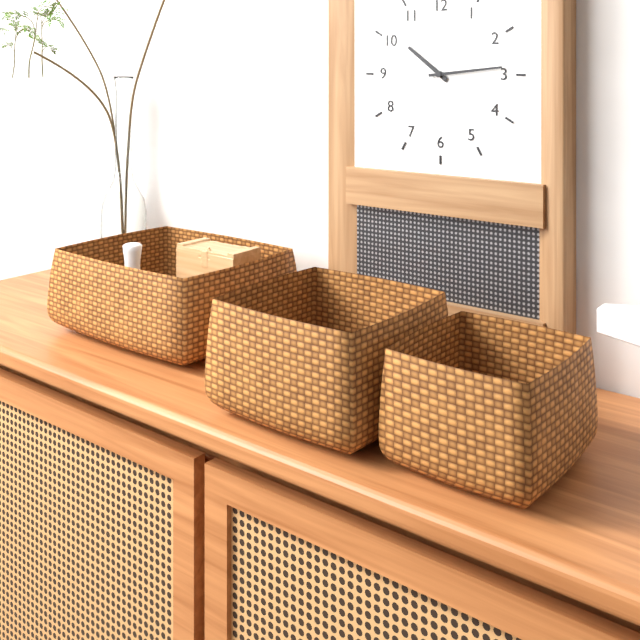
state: 10:14
